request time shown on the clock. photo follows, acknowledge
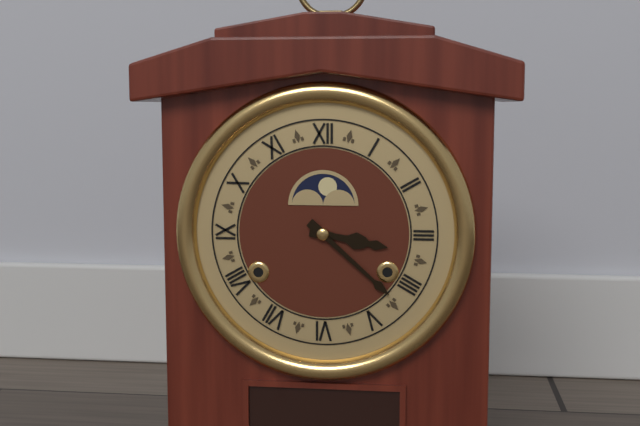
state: 3:22
